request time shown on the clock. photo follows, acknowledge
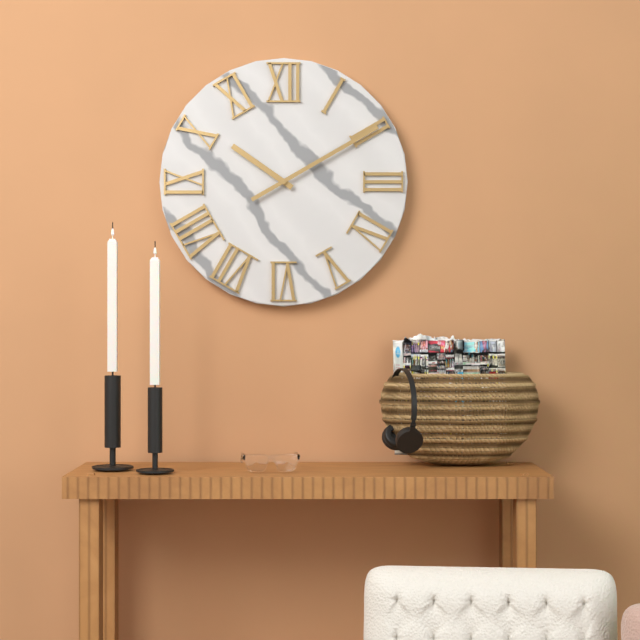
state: 10:10
